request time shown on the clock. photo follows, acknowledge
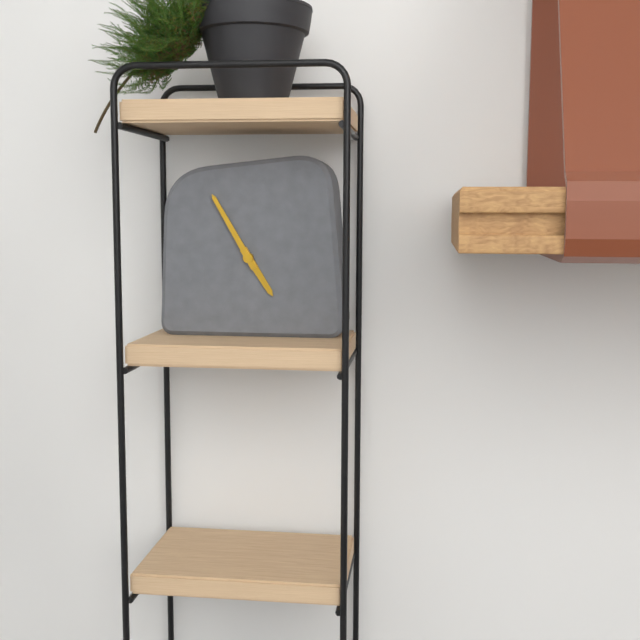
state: 4:55
